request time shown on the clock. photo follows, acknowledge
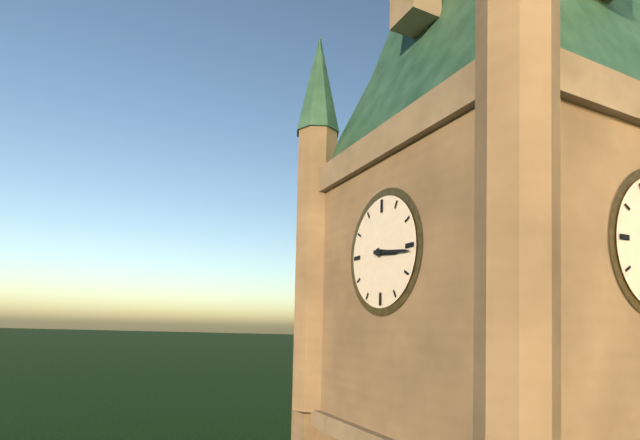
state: 3:16
